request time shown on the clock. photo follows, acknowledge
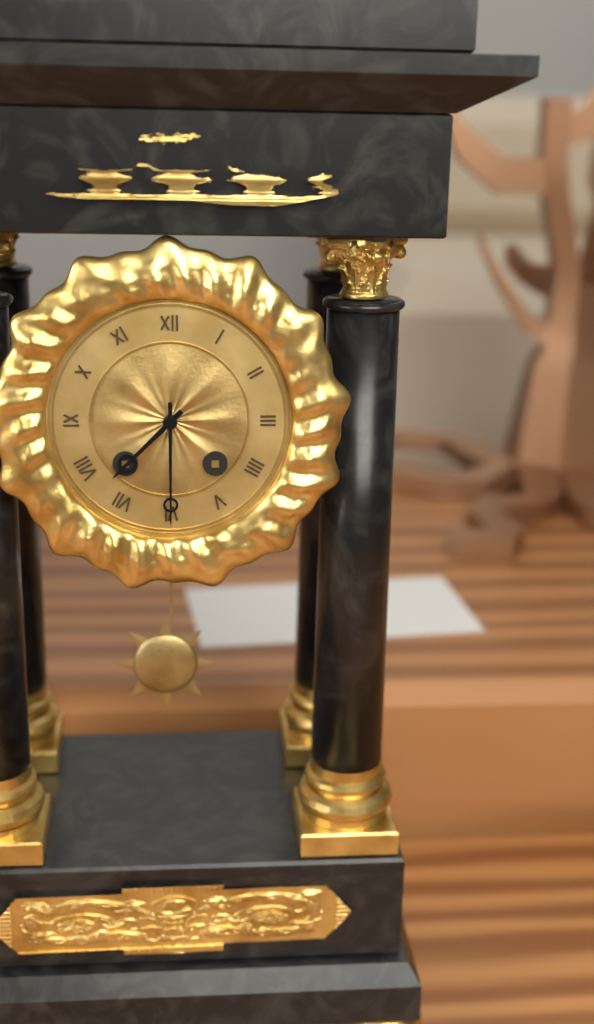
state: 7:30
